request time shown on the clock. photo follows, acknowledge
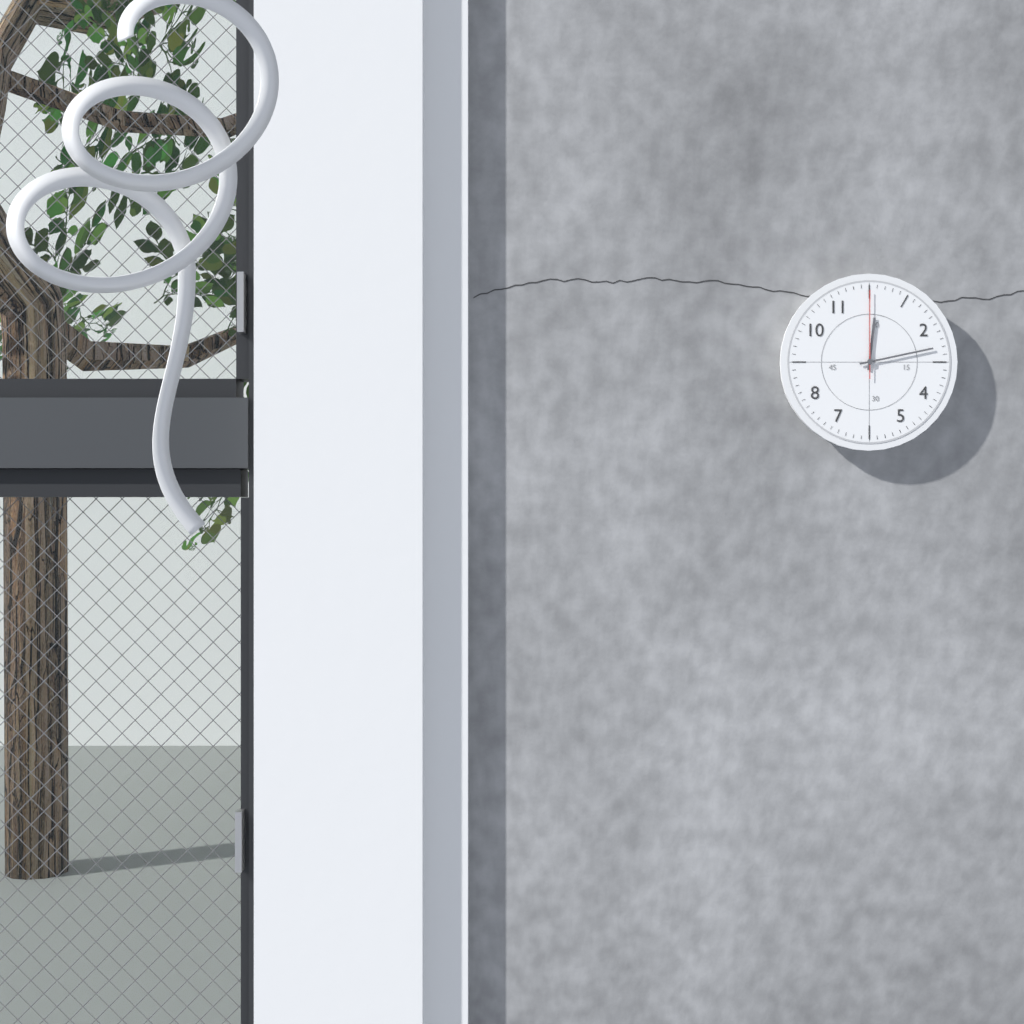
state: 12:13:00
